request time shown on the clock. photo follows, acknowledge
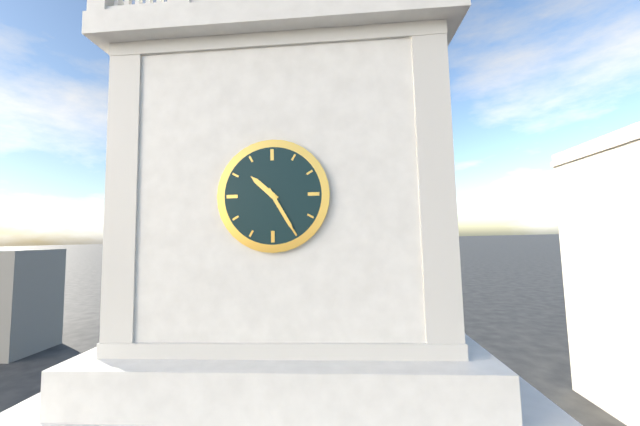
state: 10:25
